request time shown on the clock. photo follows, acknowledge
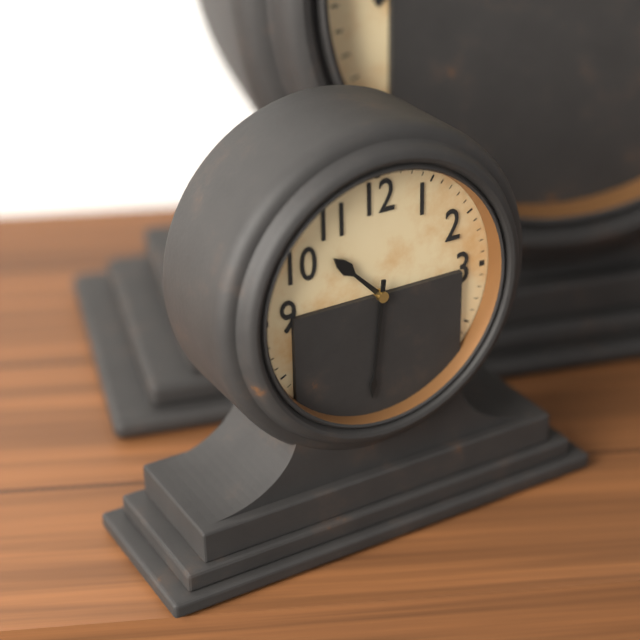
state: 10:31
